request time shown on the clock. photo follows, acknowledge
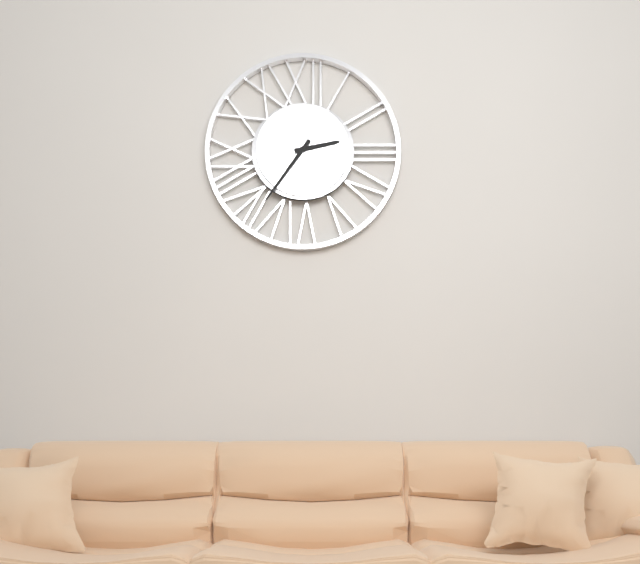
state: 2:36
